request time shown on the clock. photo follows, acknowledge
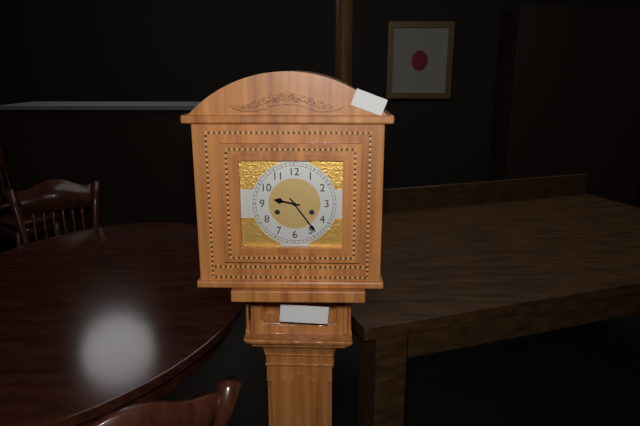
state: 9:24
